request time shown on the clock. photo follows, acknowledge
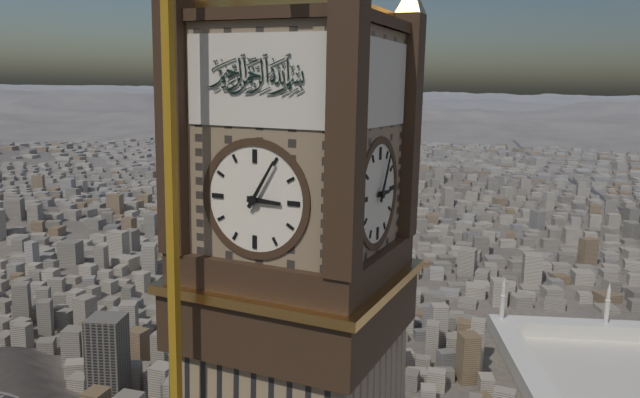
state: 3:05
